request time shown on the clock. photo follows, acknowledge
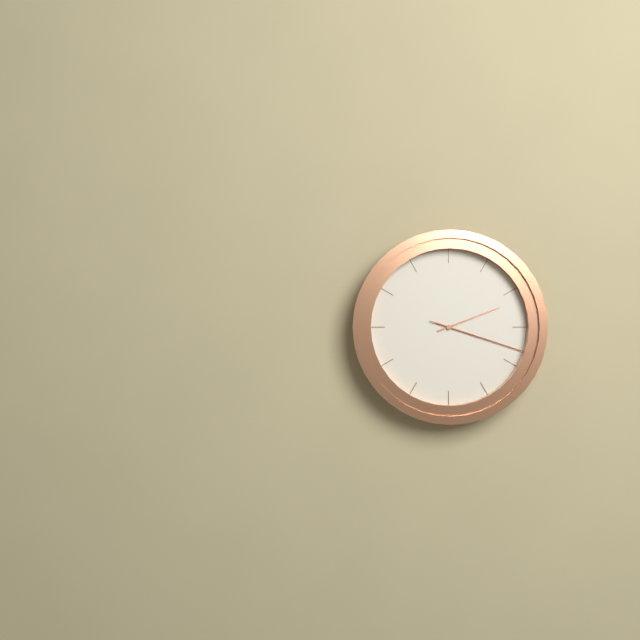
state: 2:18:18
